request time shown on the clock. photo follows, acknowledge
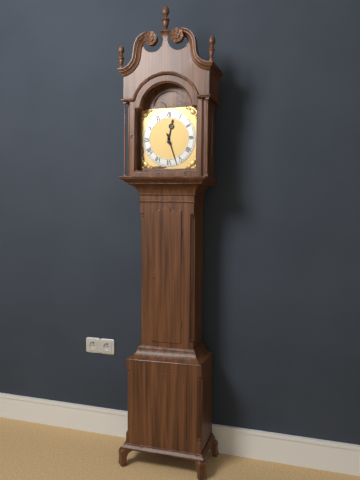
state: 12:27
